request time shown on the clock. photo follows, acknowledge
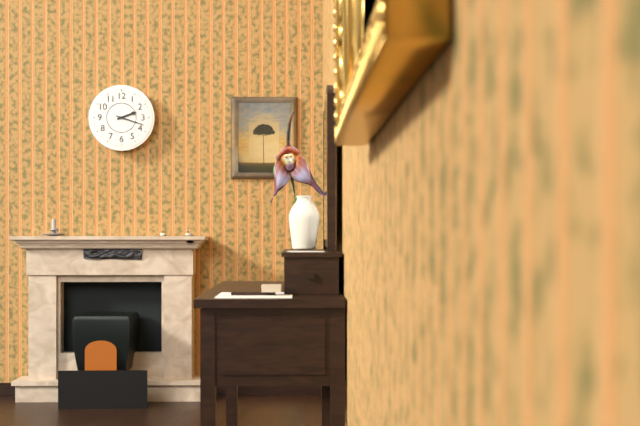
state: 2:18
